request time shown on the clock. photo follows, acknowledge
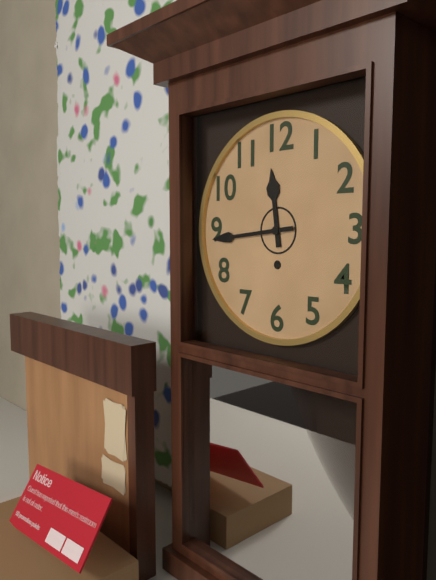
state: 11:44
